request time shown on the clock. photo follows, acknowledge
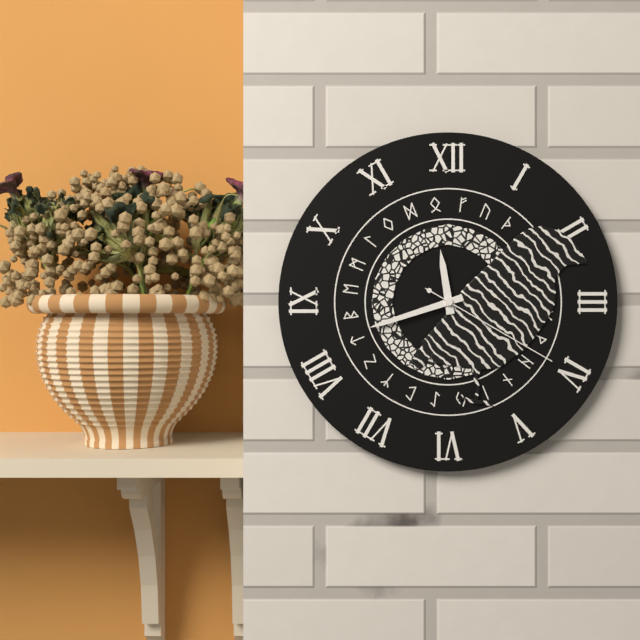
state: 11:42:20
